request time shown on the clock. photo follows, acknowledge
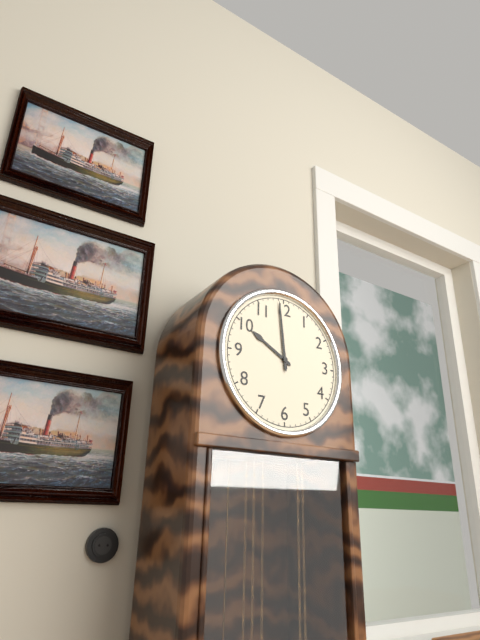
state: 9:59
